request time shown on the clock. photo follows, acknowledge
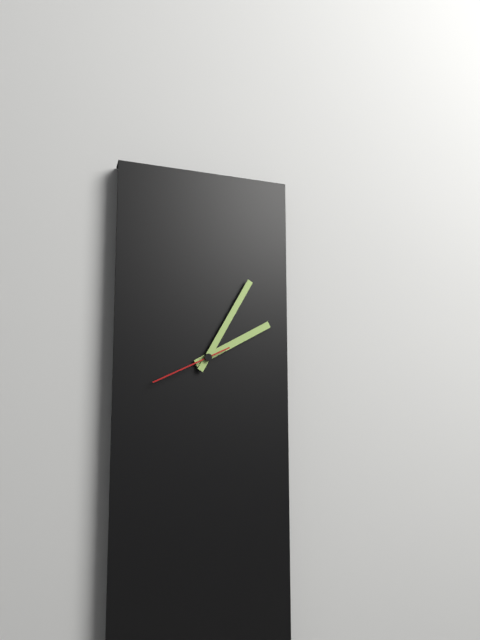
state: 2:05:41
